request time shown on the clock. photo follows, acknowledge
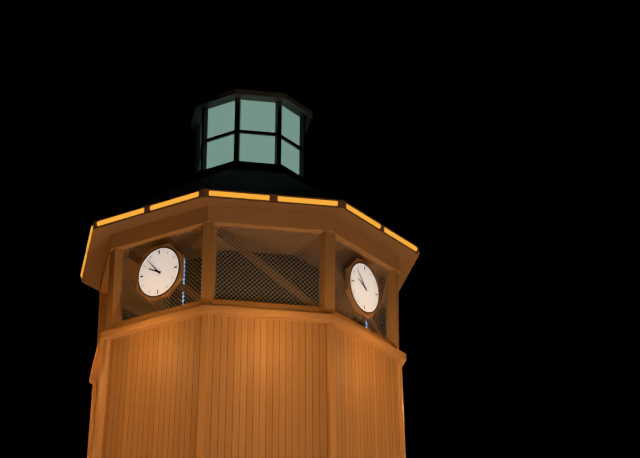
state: 9:53
